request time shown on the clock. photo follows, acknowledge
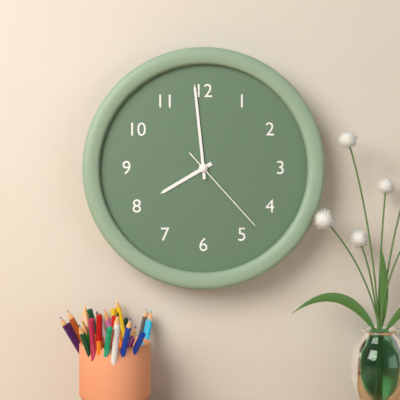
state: 7:59:23
